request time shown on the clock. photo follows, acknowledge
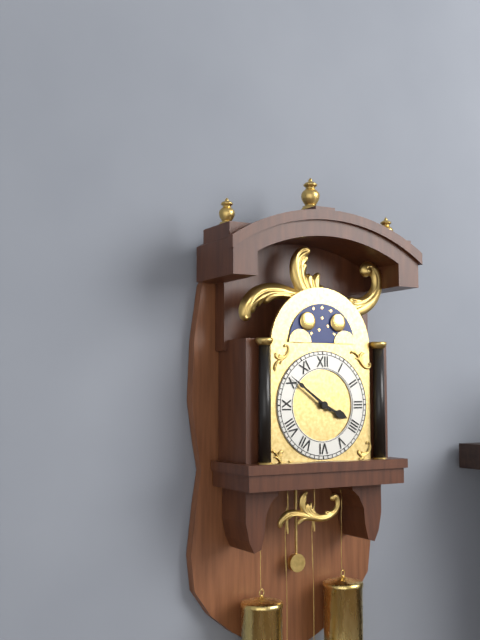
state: 3:51
